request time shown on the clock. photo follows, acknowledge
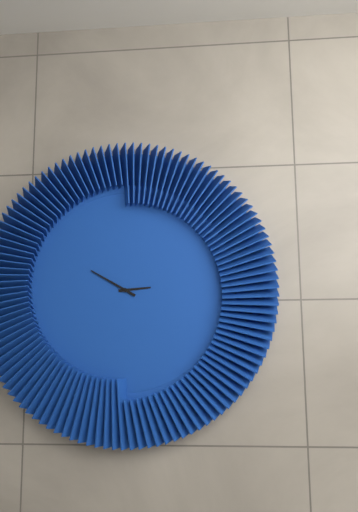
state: 2:50
